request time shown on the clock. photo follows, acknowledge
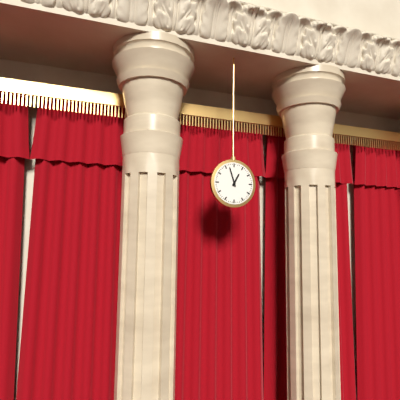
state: 12:57
